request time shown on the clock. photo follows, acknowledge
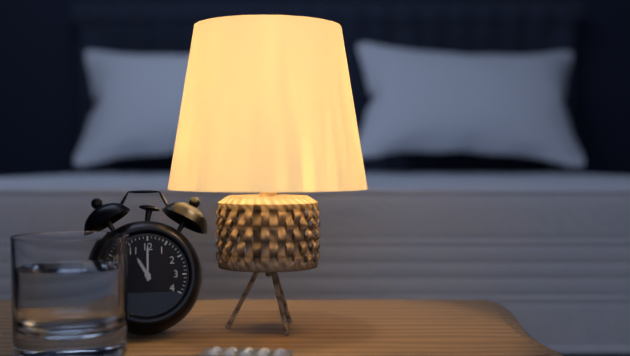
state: 11:00
